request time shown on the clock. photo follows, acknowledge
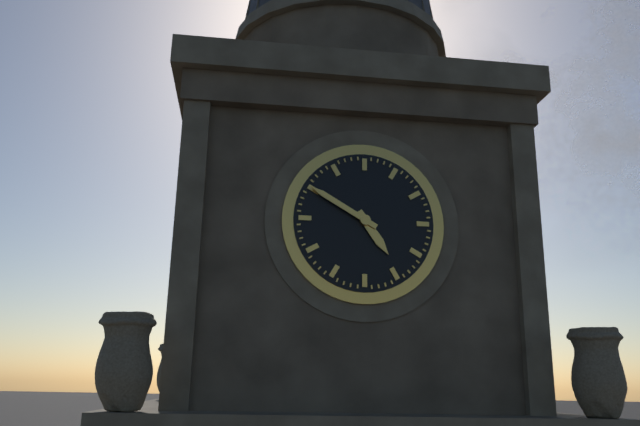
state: 4:50
